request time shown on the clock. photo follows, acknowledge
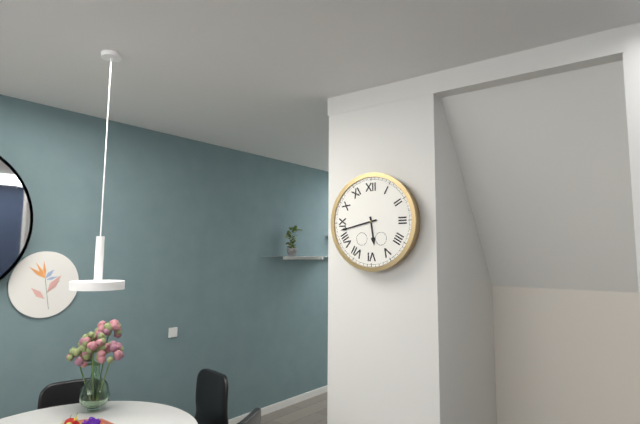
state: 5:43
